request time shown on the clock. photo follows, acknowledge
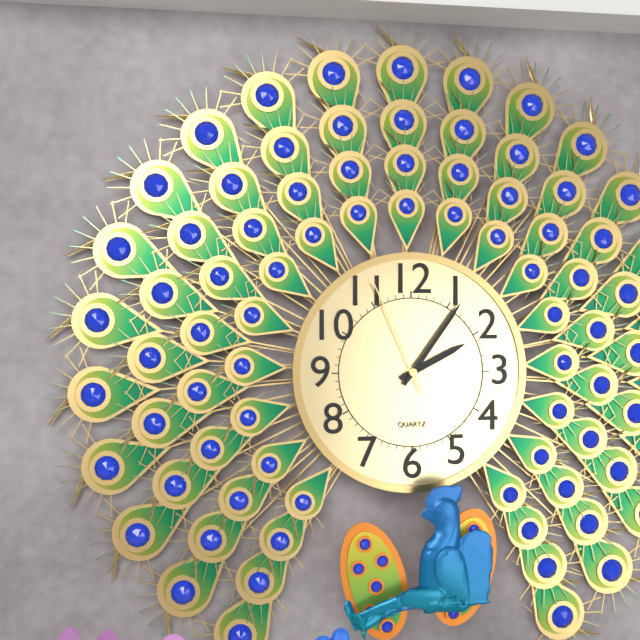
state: 2:06:56
